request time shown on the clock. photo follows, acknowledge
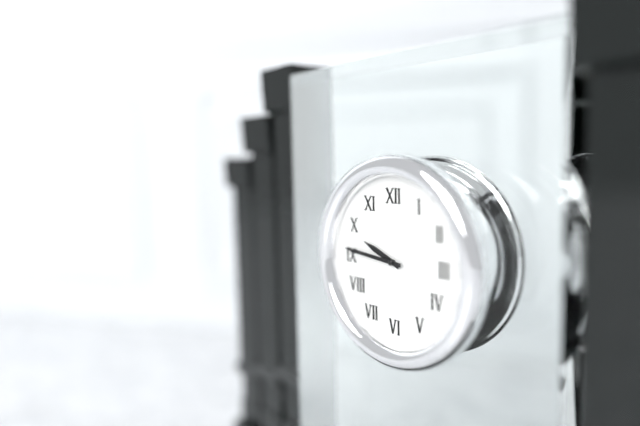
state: 9:46
